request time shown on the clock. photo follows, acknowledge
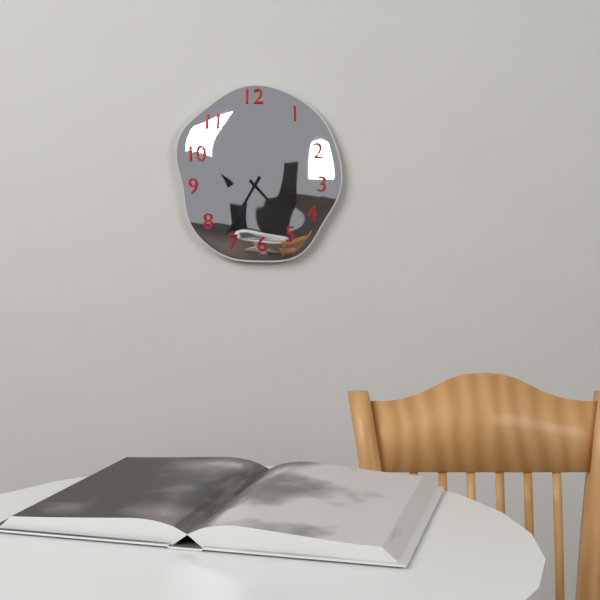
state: 4:35
